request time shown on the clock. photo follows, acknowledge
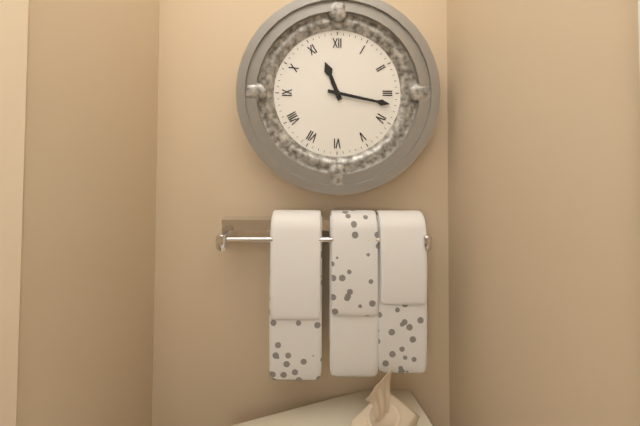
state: 11:17
